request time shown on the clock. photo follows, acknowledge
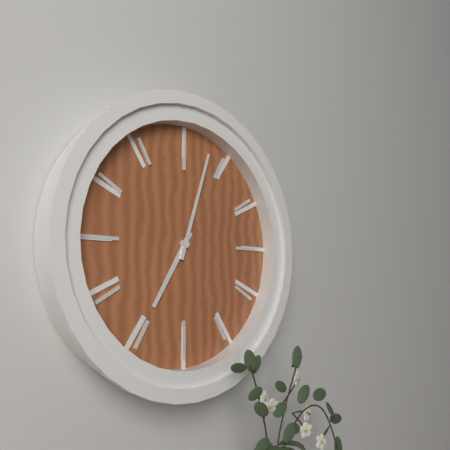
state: 7:03
